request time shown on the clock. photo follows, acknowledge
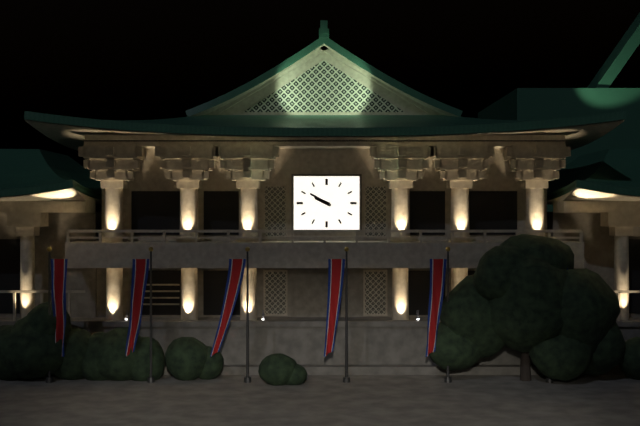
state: 9:50
